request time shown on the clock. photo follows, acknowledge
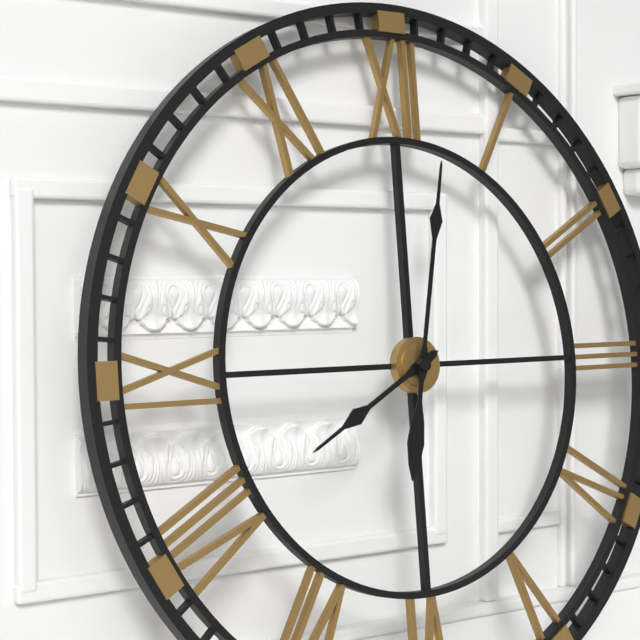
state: 8:02
